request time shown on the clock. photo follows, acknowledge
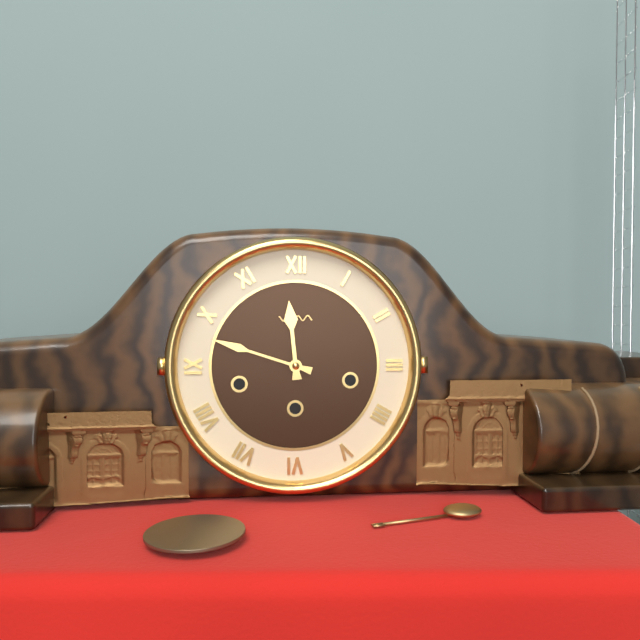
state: 11:48
